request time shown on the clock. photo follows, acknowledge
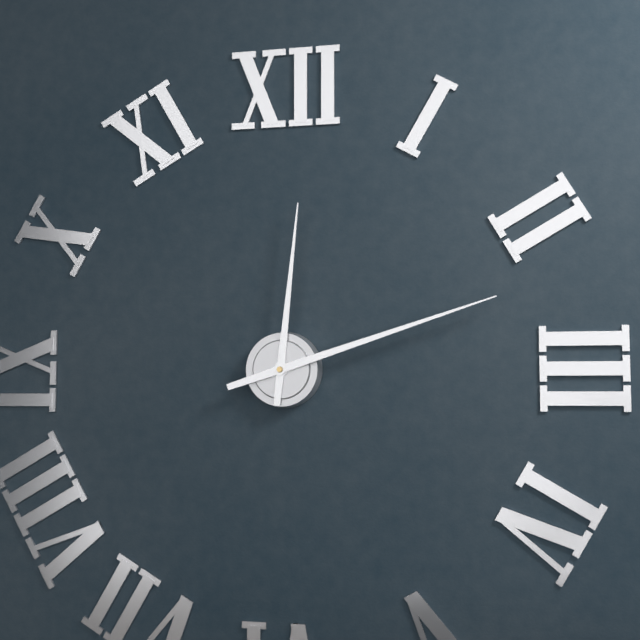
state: 12:12
